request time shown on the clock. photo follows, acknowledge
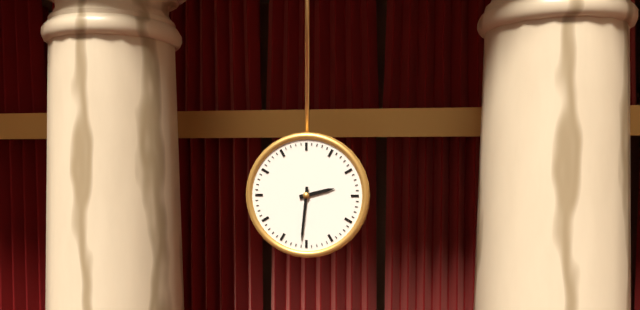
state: 2:31
